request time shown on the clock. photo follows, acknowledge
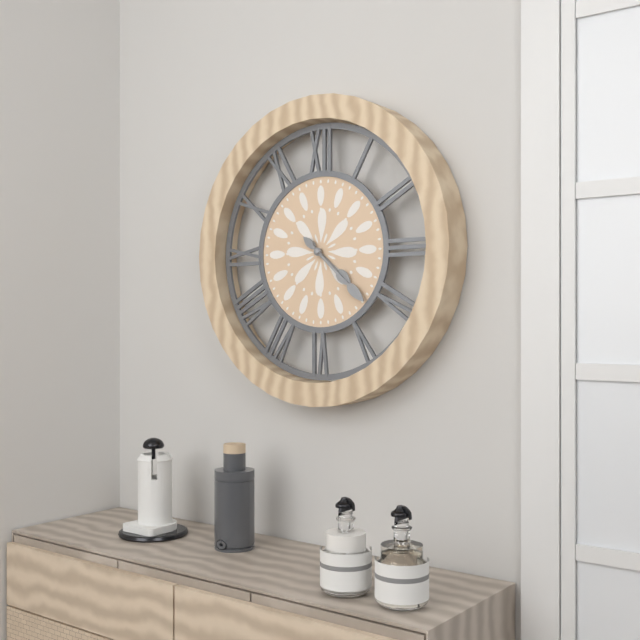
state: 4:22
